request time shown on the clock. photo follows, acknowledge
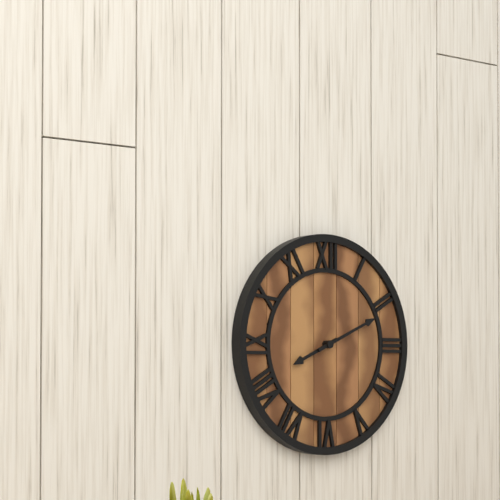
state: 8:11
